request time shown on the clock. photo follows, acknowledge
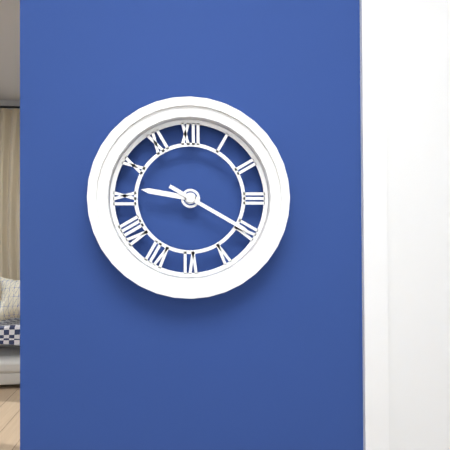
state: 9:20
